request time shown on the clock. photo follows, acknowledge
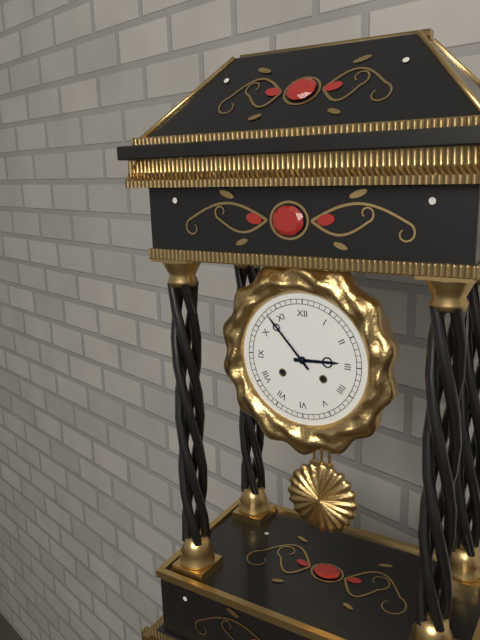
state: 2:53
